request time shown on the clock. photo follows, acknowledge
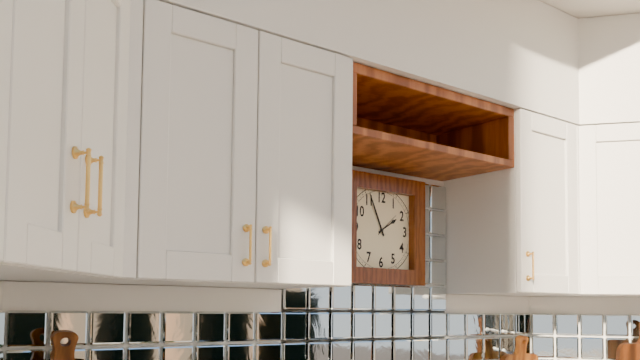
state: 1:56
